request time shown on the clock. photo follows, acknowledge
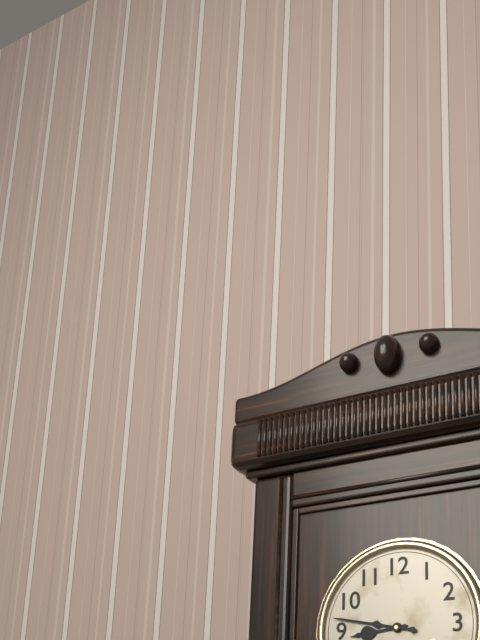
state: 8:47
